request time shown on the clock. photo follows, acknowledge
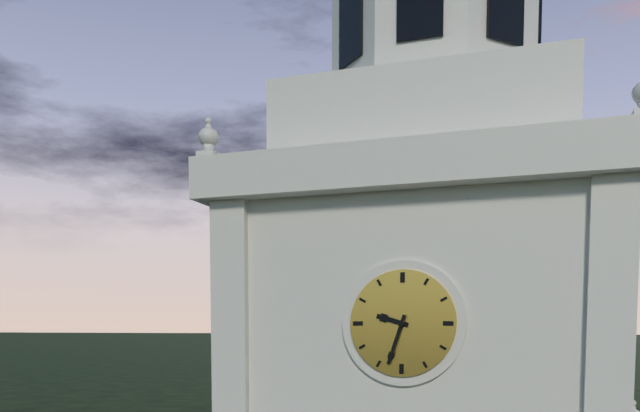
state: 9:33
